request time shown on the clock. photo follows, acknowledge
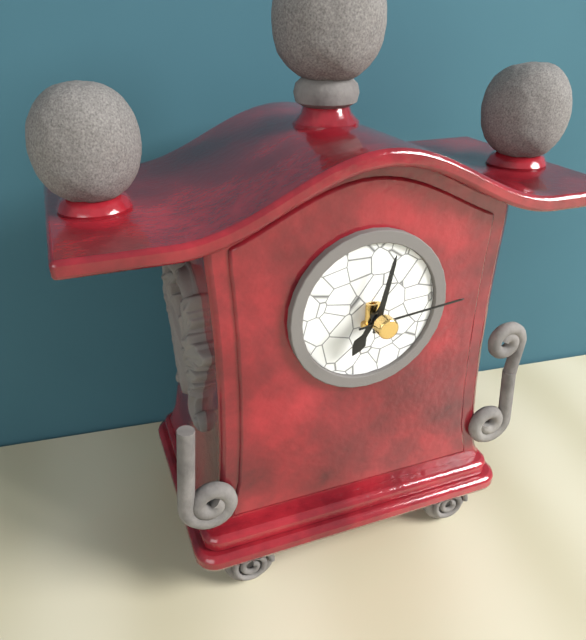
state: 7:02:14
